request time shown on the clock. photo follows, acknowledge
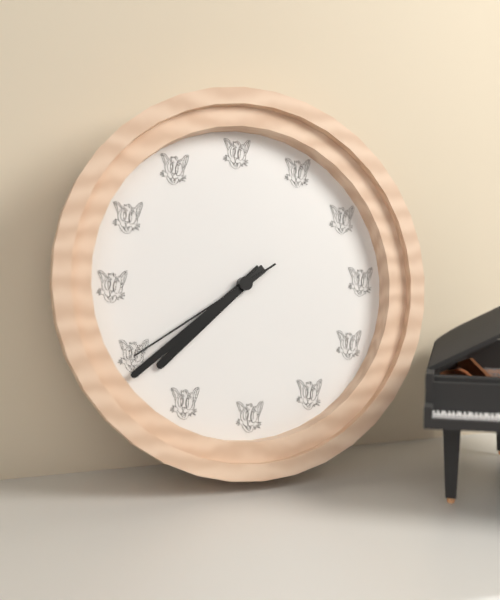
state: 7:39:40
